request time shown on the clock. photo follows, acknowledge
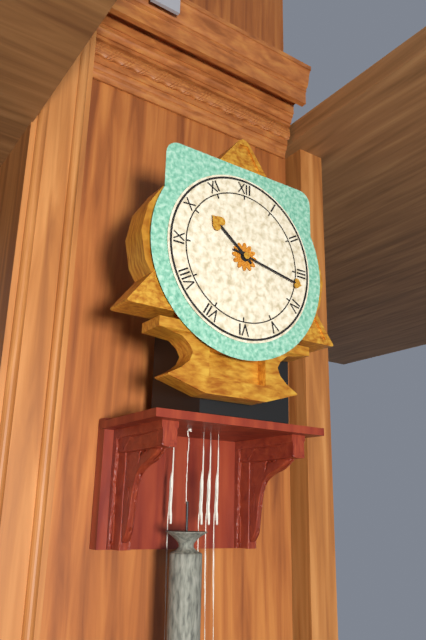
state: 10:17
